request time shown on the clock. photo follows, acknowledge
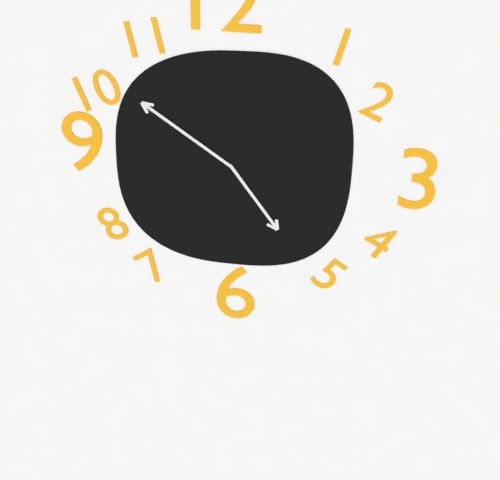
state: 4:51
